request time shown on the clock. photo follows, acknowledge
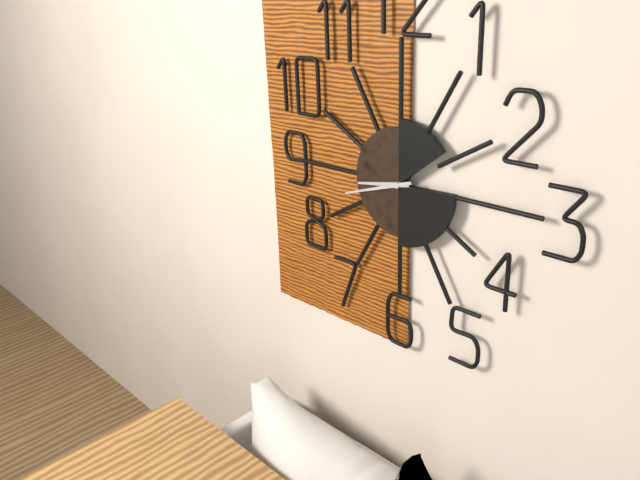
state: 8:42
